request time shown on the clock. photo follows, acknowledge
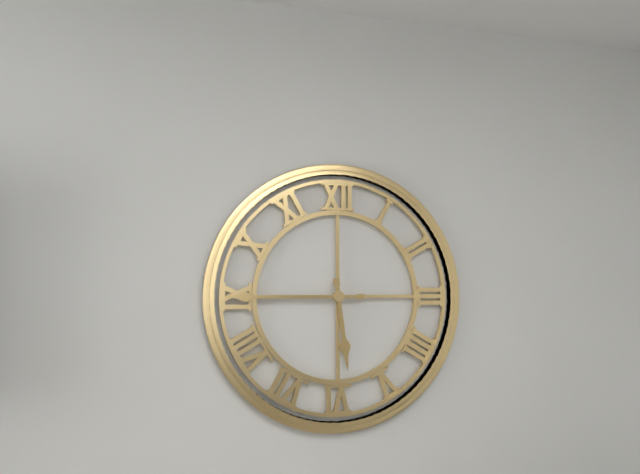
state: 5:45
